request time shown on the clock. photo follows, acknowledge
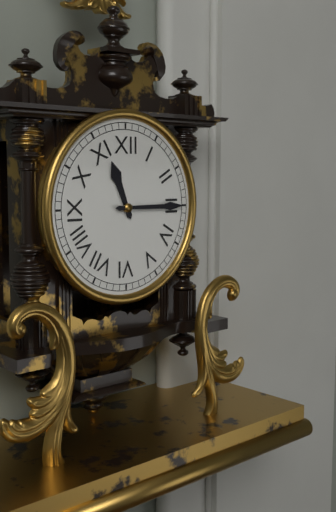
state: 11:15
